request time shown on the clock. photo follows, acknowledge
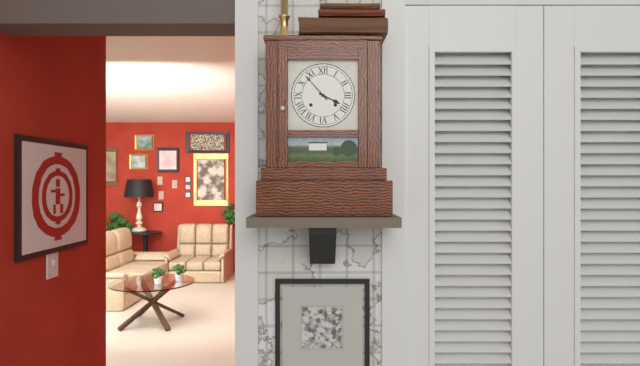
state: 3:53
